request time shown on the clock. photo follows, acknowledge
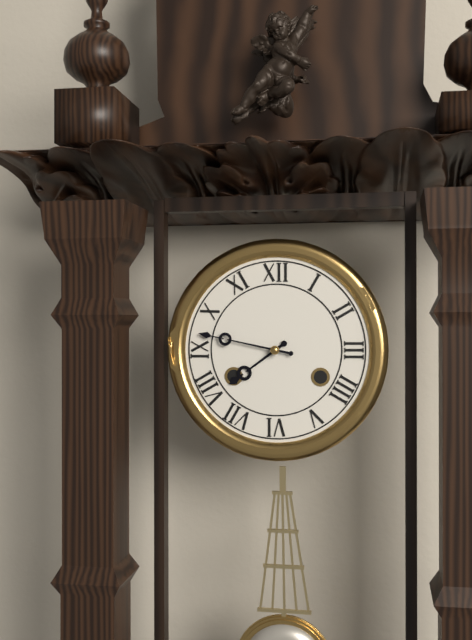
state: 7:47
